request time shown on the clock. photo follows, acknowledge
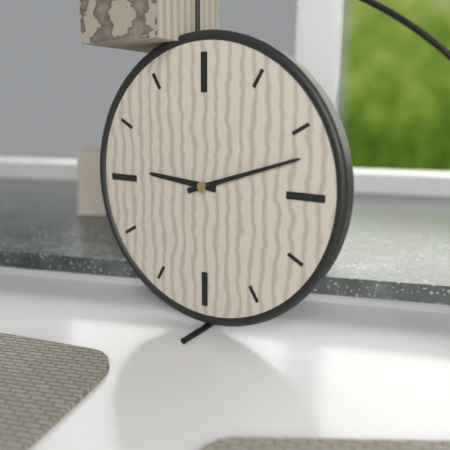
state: 9:12
